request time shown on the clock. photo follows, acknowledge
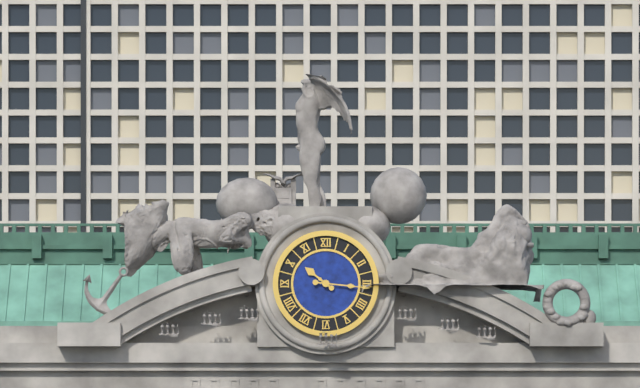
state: 10:16
